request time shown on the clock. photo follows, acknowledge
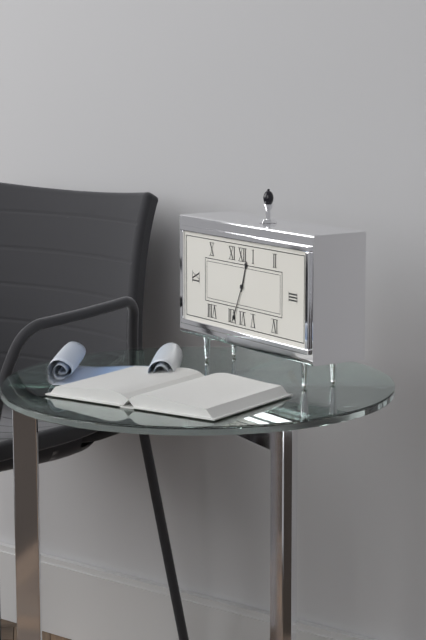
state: 12:34
